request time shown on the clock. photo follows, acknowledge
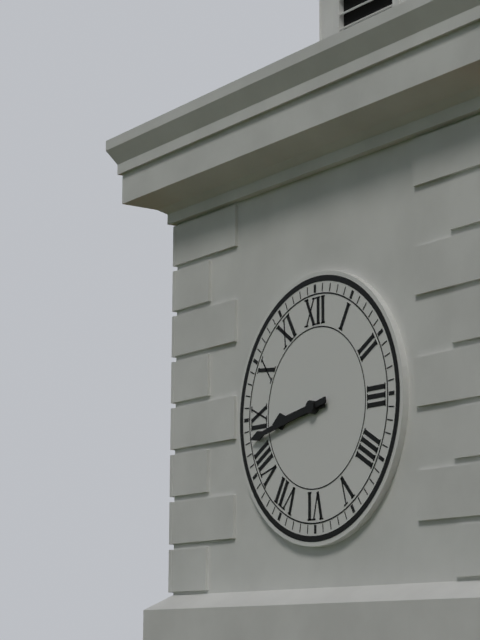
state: 8:43
